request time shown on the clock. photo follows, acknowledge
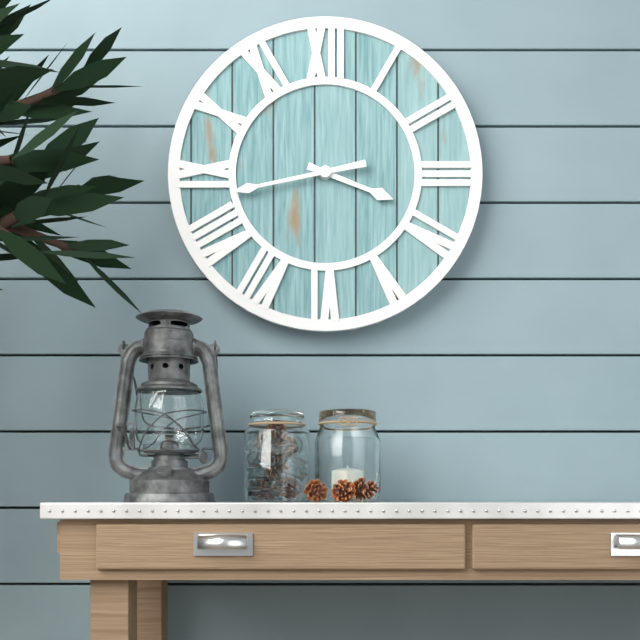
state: 3:43
